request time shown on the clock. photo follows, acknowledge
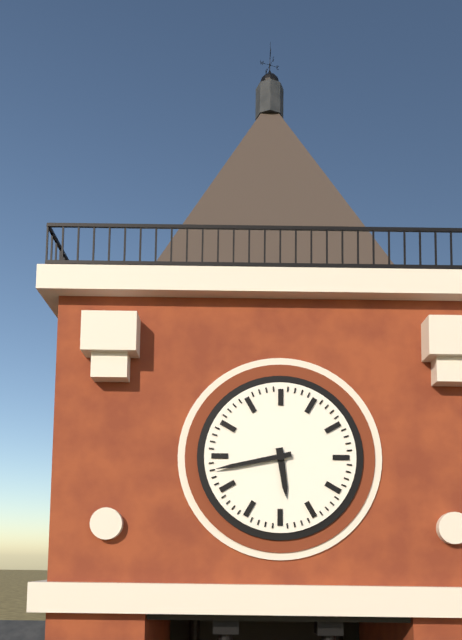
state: 5:43
